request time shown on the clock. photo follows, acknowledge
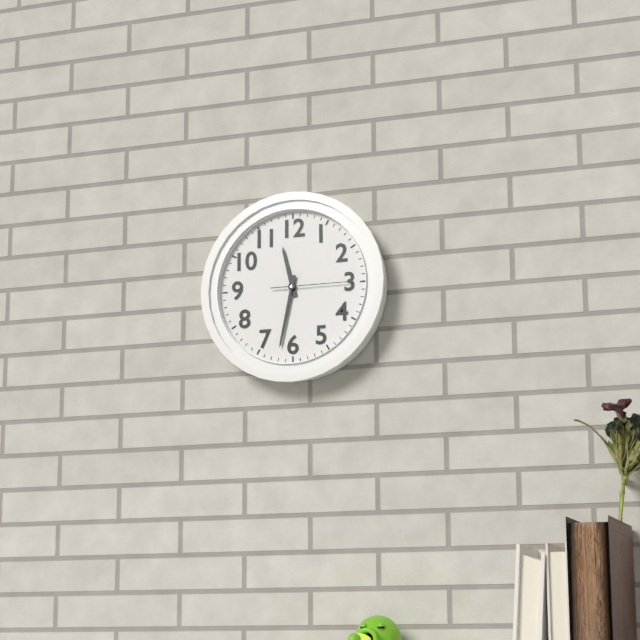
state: 11:32:15
